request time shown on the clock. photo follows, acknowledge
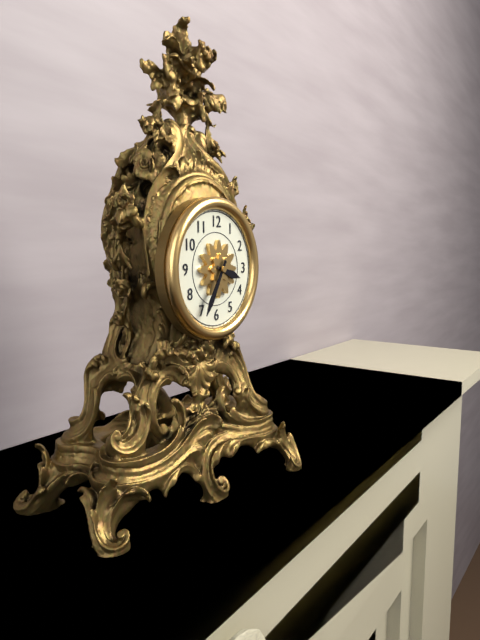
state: 3:35
